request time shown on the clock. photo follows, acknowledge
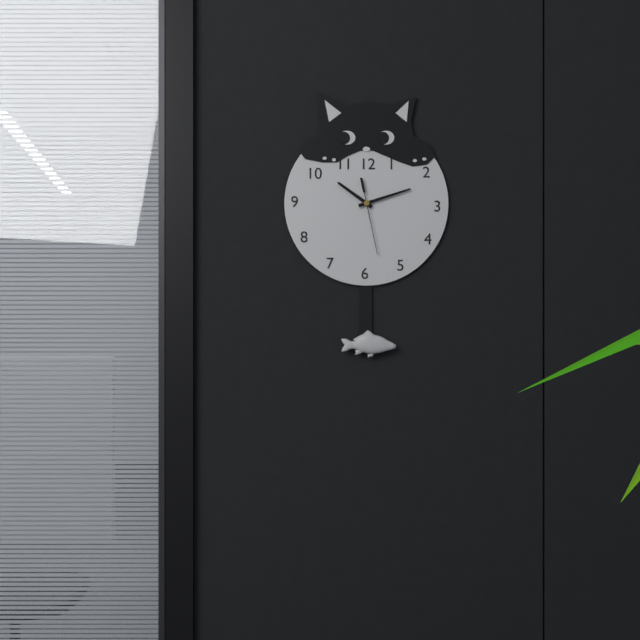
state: 10:12:28
